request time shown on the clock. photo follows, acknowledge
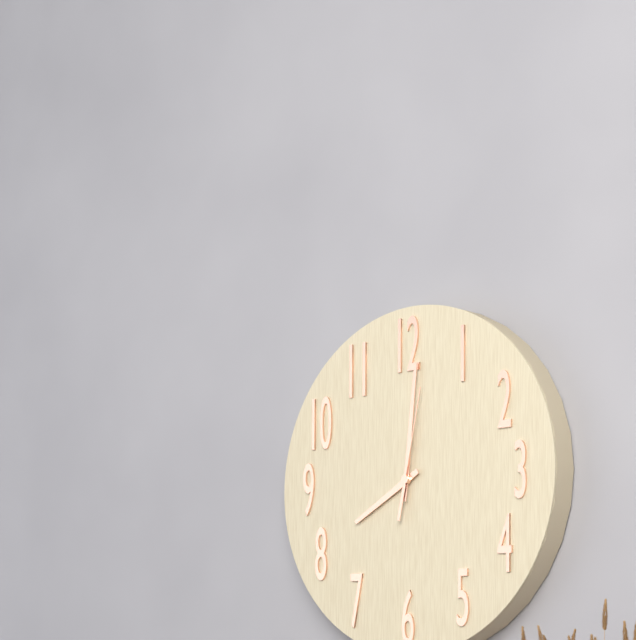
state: 8:01:02
